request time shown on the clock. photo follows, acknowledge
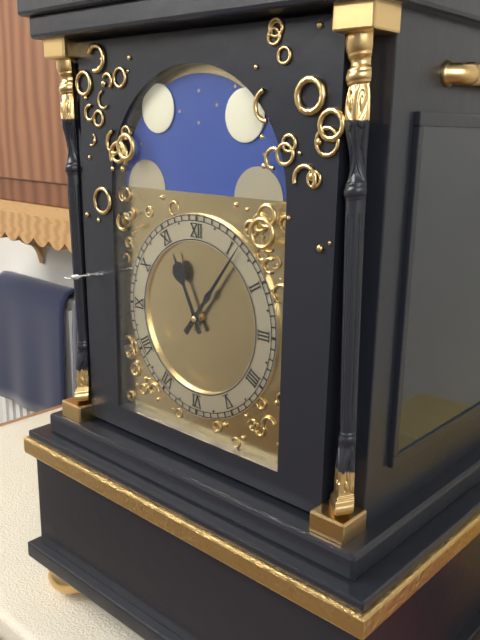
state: 11:06
